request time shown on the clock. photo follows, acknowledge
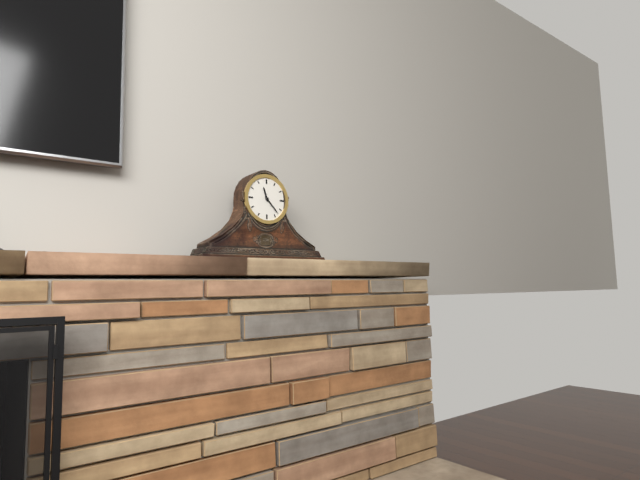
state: 11:23
